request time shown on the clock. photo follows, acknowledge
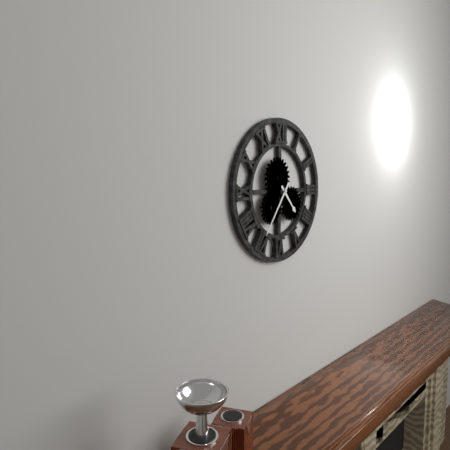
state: 4:36
